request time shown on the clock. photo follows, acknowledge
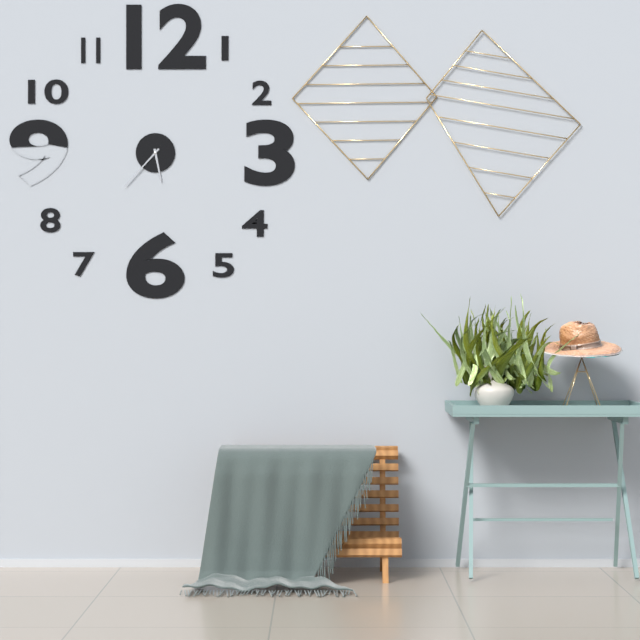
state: 5:37
